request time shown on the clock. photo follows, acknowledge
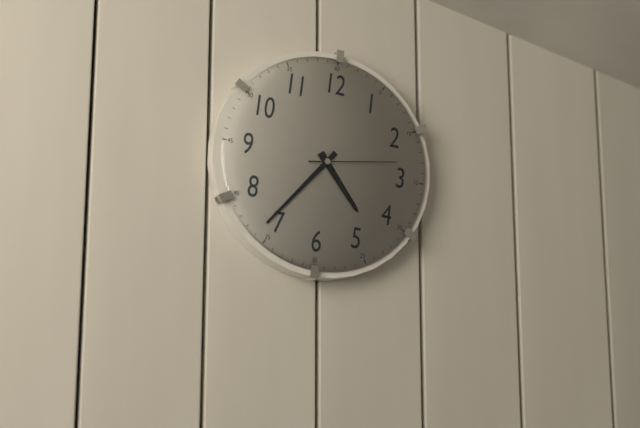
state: 4:36:13
